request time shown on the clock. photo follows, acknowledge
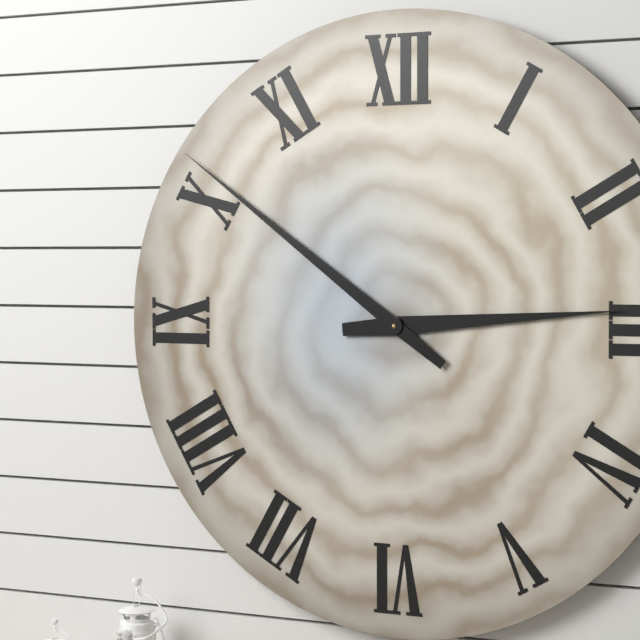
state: 2:51
